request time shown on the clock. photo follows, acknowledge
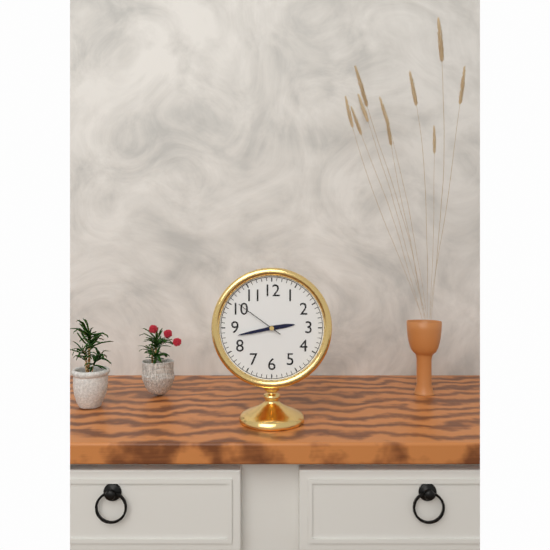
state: 2:43:51
